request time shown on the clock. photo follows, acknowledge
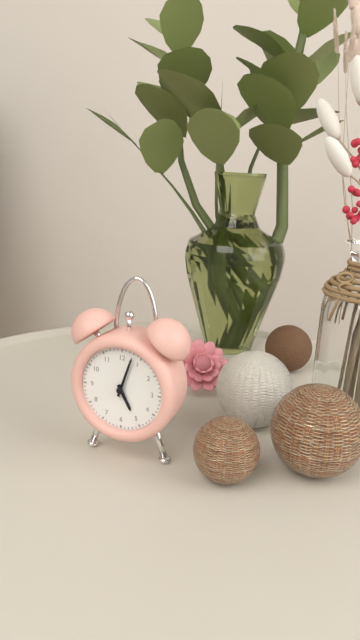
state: 5:03
